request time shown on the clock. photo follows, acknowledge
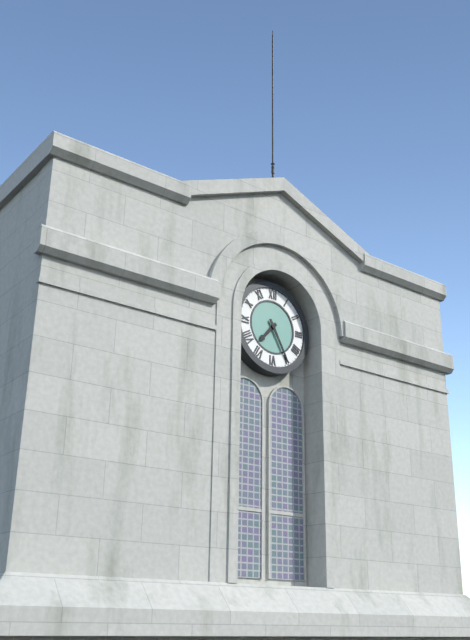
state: 7:25
